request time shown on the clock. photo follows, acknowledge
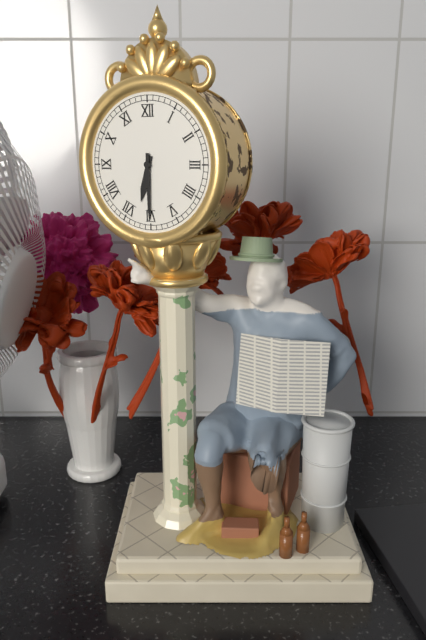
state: 6:30
